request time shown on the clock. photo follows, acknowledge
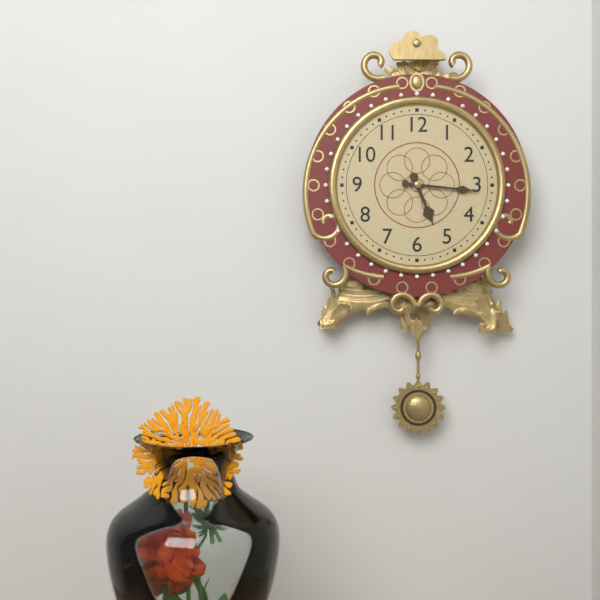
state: 5:16
